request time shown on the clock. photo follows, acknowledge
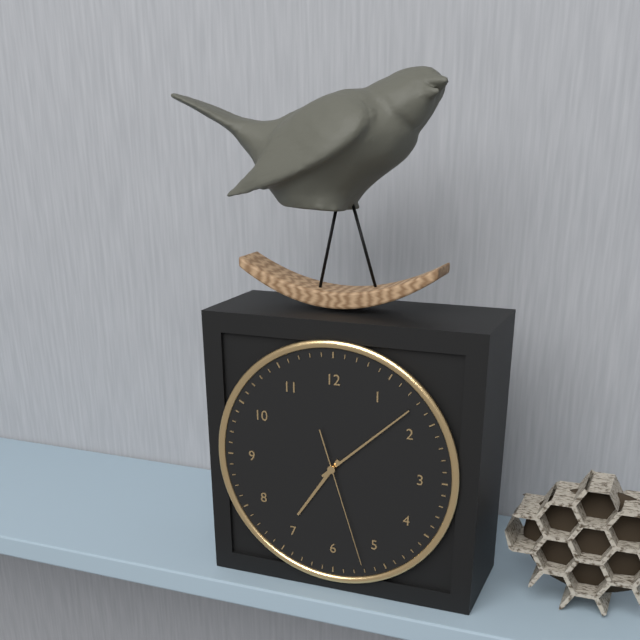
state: 7:08:27
